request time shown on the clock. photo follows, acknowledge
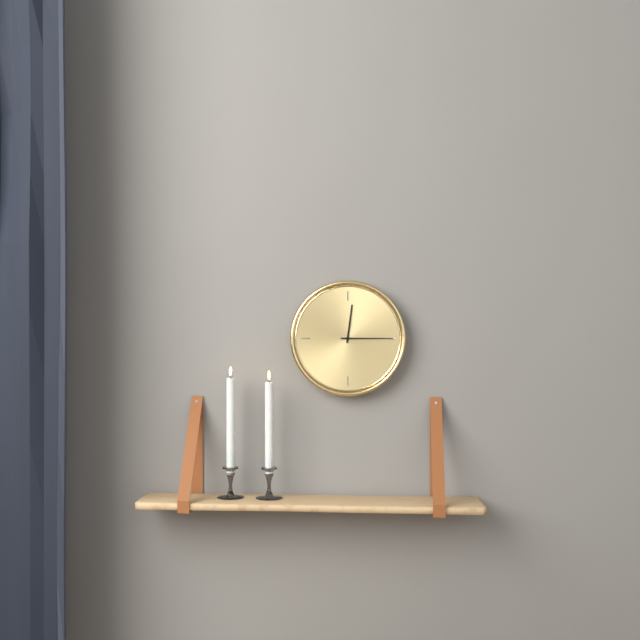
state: 12:15
